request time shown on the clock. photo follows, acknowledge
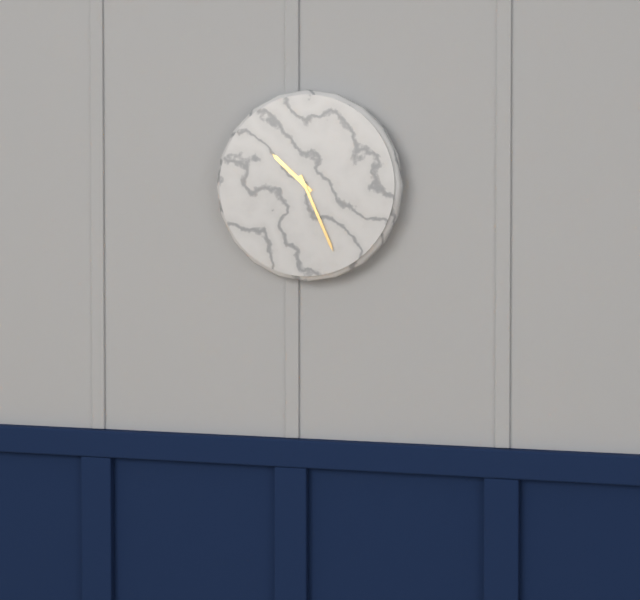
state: 10:26
